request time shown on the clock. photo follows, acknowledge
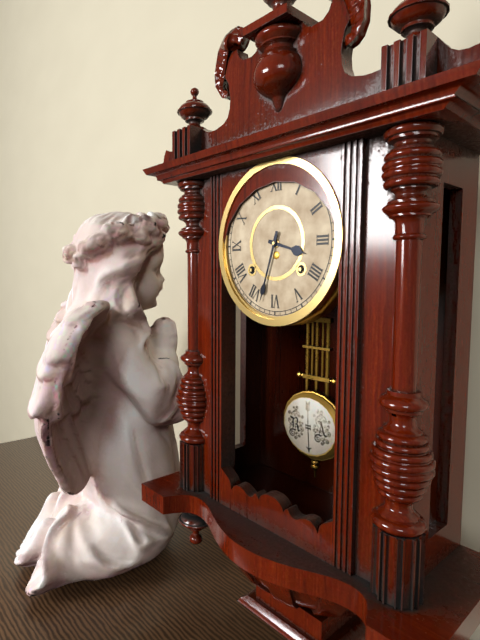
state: 3:33
